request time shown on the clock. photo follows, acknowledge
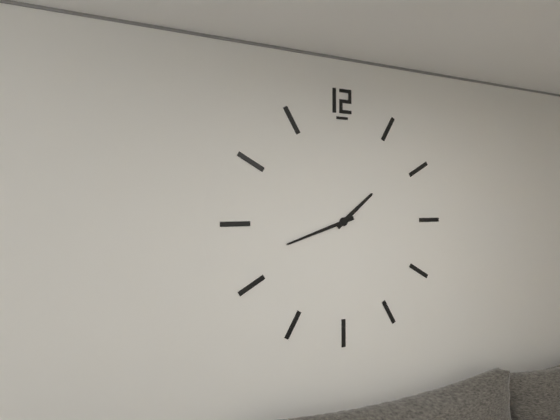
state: 1:42
